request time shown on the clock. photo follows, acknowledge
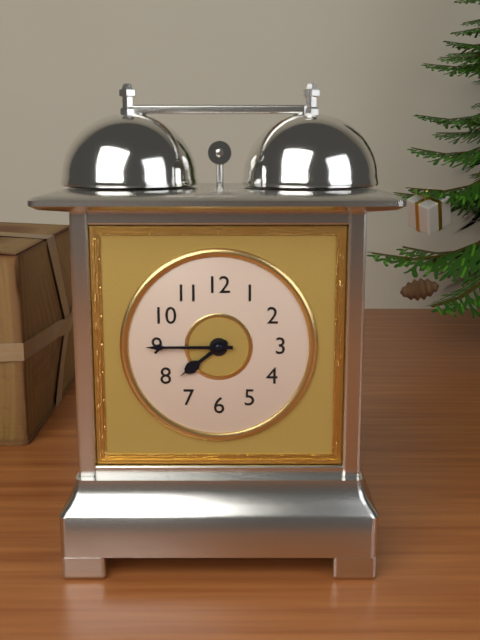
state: 7:45
